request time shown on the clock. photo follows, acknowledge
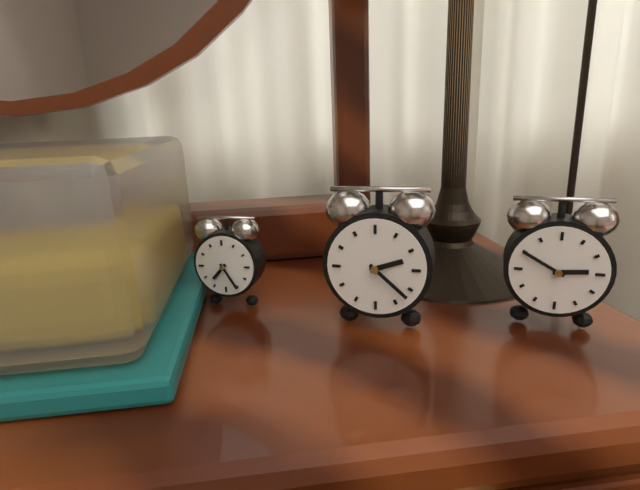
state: 2:22
